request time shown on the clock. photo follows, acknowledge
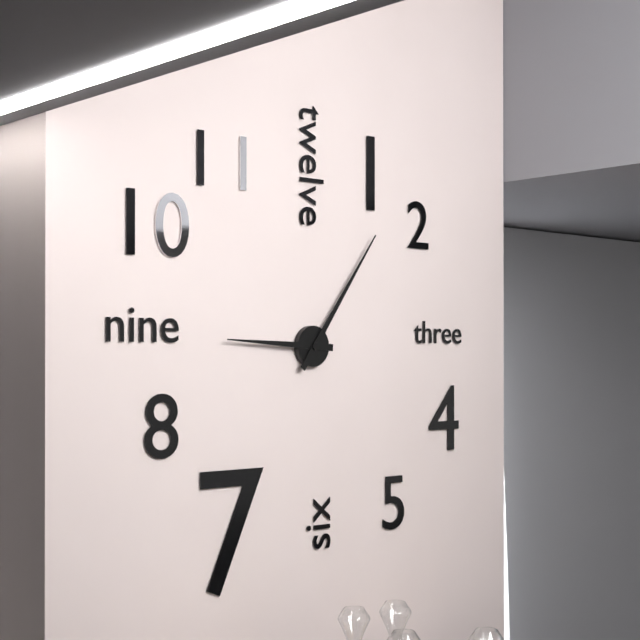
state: 9:06
